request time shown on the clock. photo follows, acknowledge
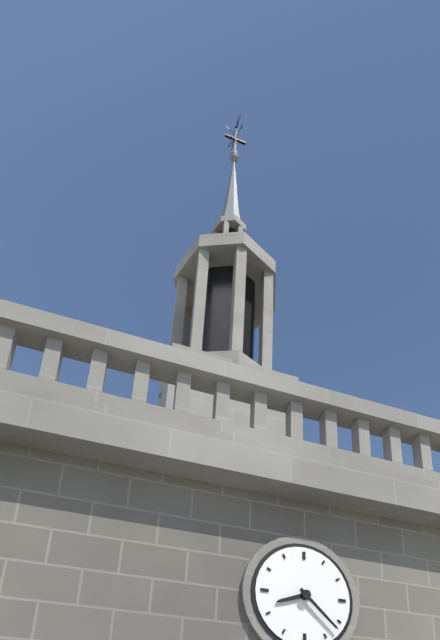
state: 8:22
